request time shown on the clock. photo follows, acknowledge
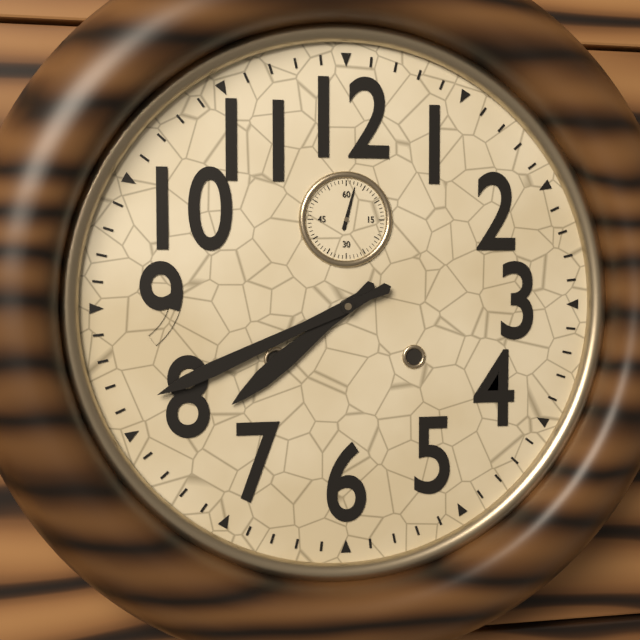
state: 7:41
